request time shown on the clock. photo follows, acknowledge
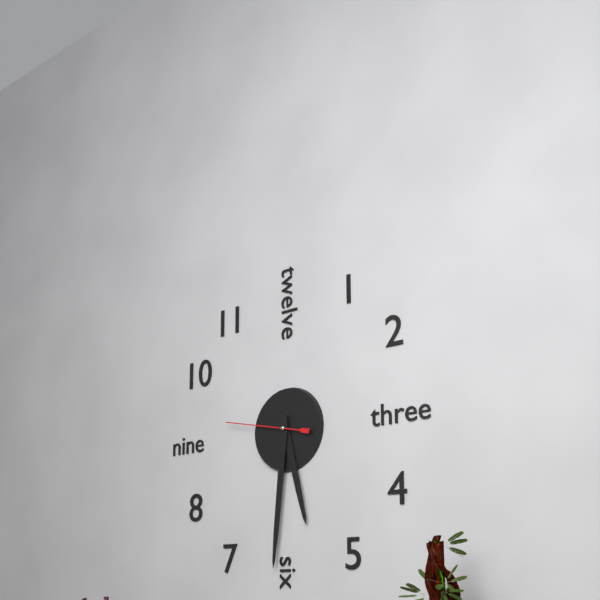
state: 5:31:47
